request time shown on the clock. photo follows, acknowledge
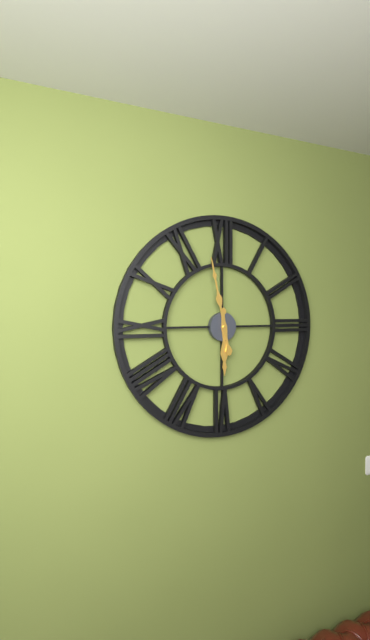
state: 5:58
